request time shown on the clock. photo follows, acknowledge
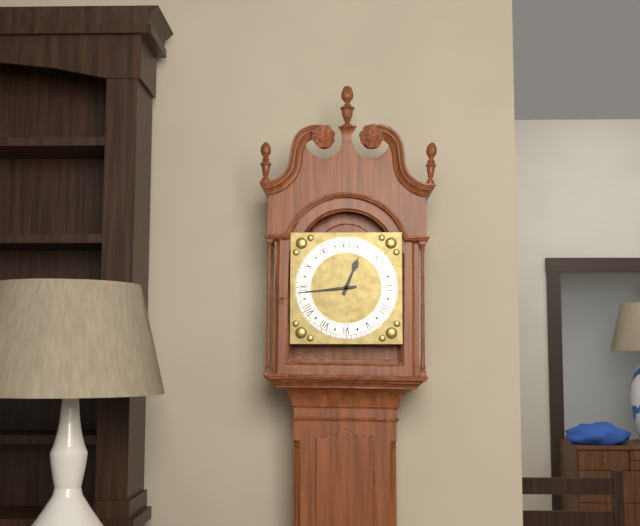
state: 12:44
